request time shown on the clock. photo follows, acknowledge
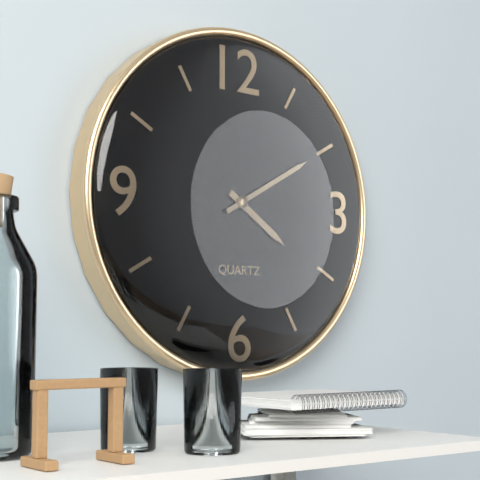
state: 4:10
